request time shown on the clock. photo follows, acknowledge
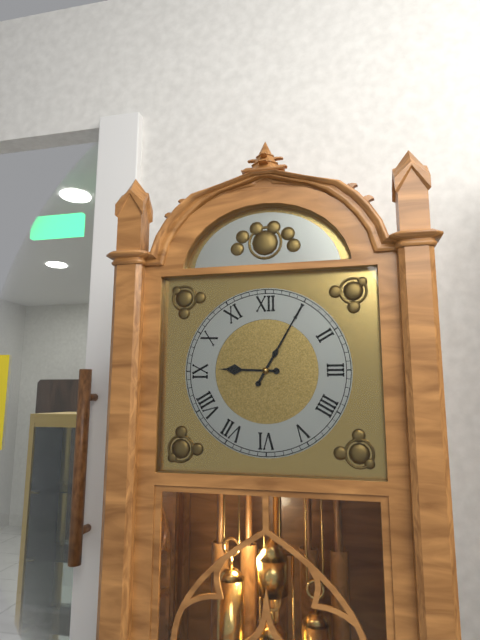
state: 9:05
